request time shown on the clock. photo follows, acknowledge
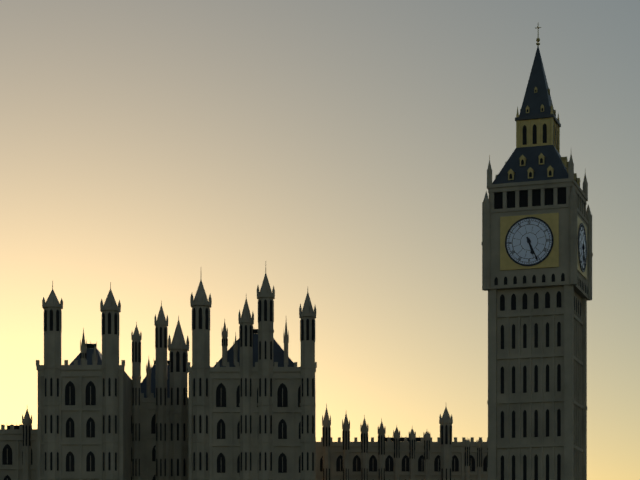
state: 5:26
